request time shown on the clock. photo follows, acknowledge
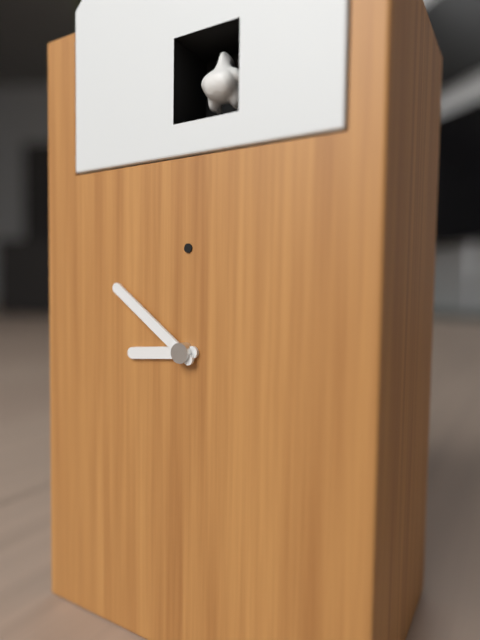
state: 8:51
